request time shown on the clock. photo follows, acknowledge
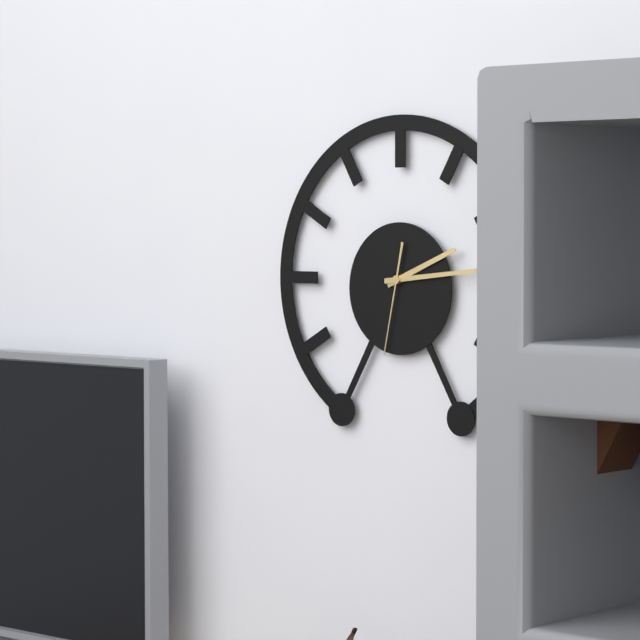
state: 2:14:32
